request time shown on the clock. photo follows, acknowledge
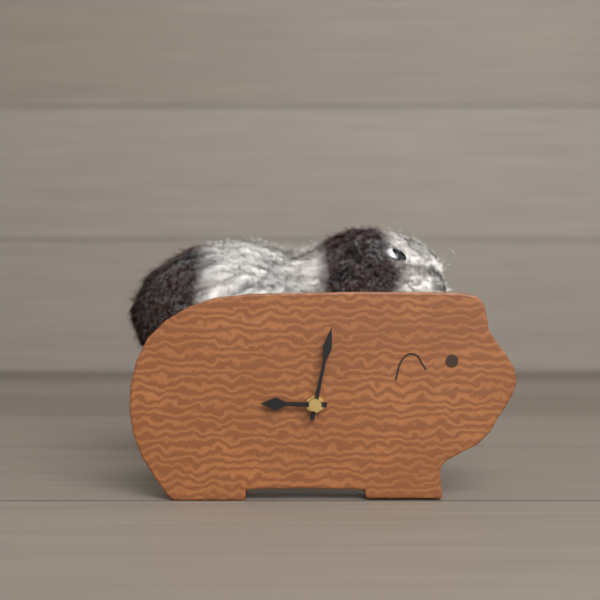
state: 9:02
